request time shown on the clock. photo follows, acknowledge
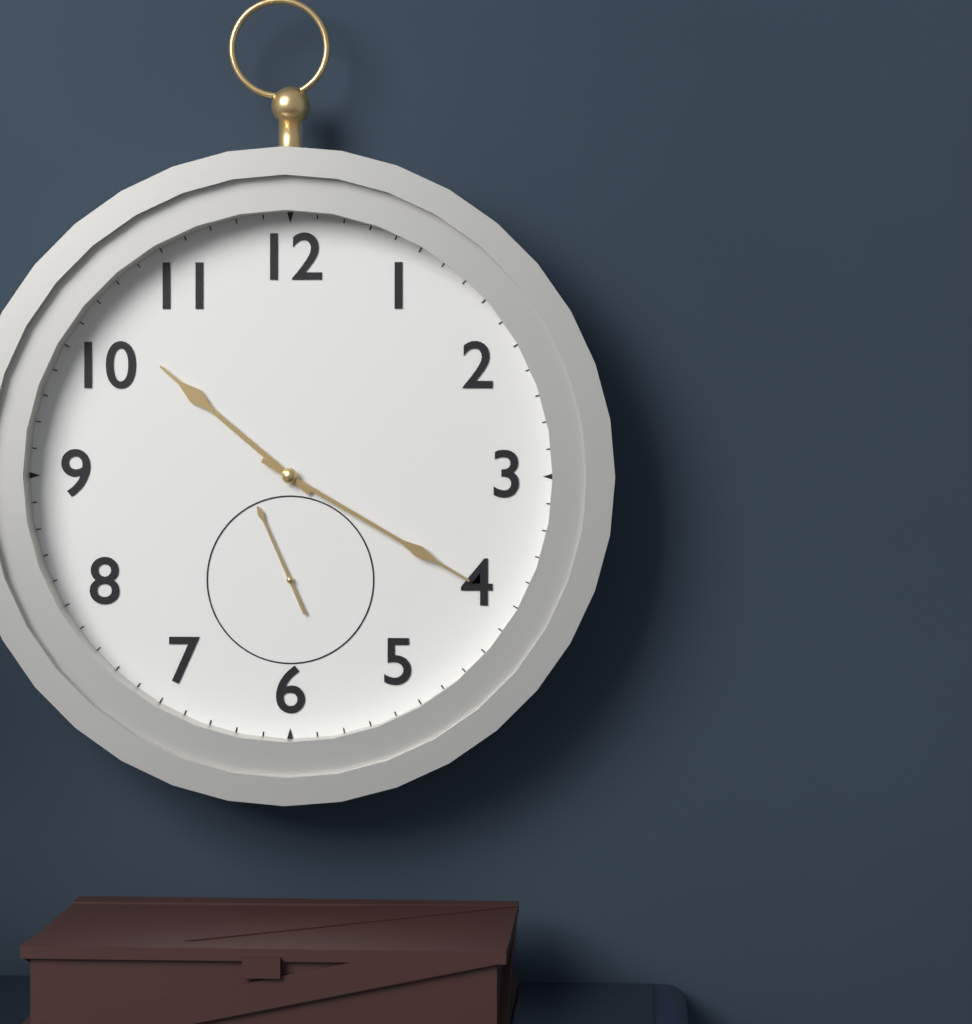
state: 10:20:56
